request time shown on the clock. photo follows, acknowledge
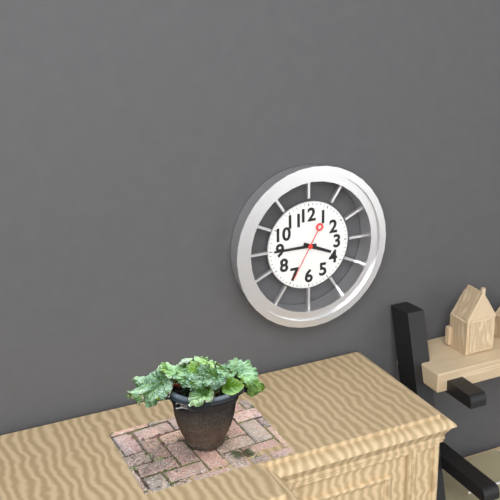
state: 3:45
